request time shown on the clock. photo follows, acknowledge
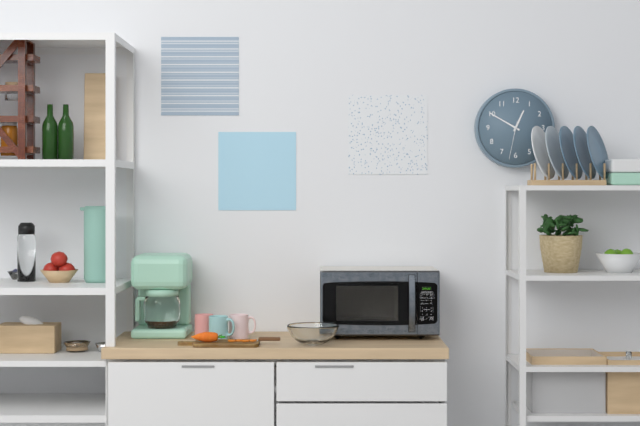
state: 12:50
